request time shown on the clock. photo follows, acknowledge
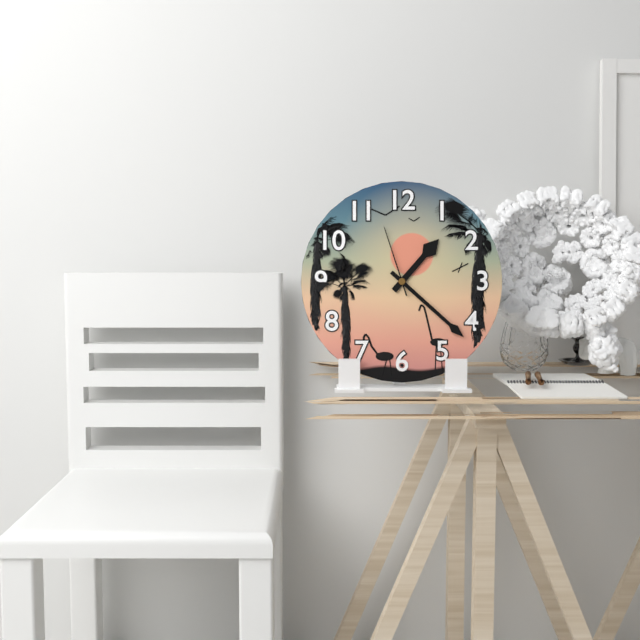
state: 1:22:57
